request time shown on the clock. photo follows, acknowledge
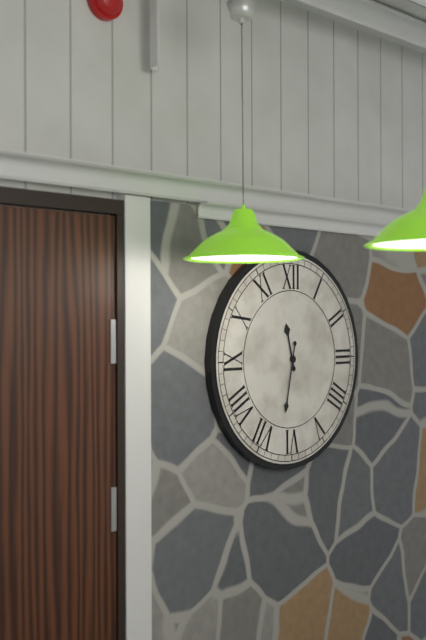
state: 11:32
